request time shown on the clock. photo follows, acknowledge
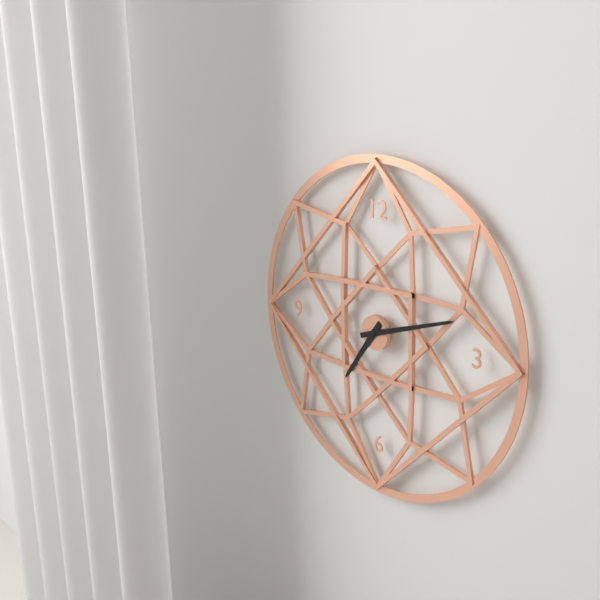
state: 7:12
